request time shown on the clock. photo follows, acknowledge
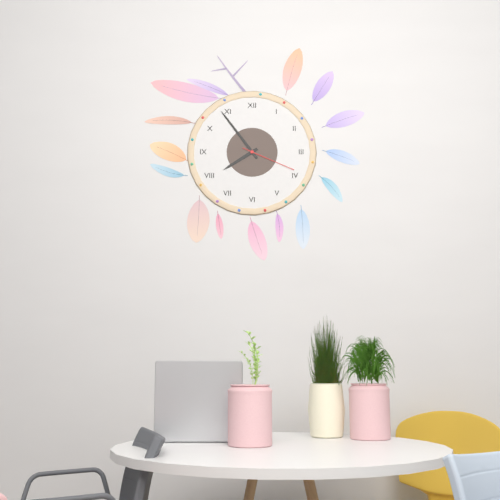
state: 7:54:19
